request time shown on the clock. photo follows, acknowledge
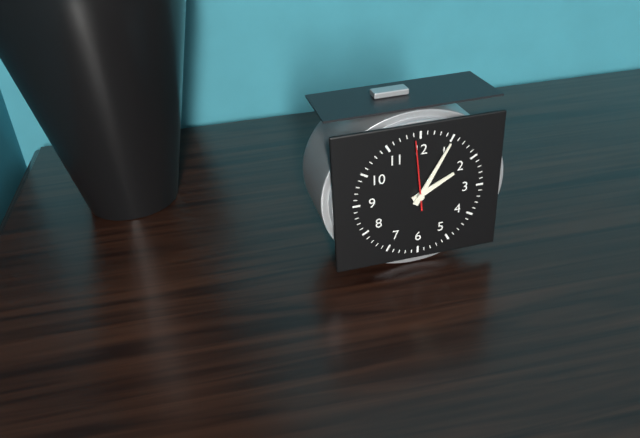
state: 2:05
